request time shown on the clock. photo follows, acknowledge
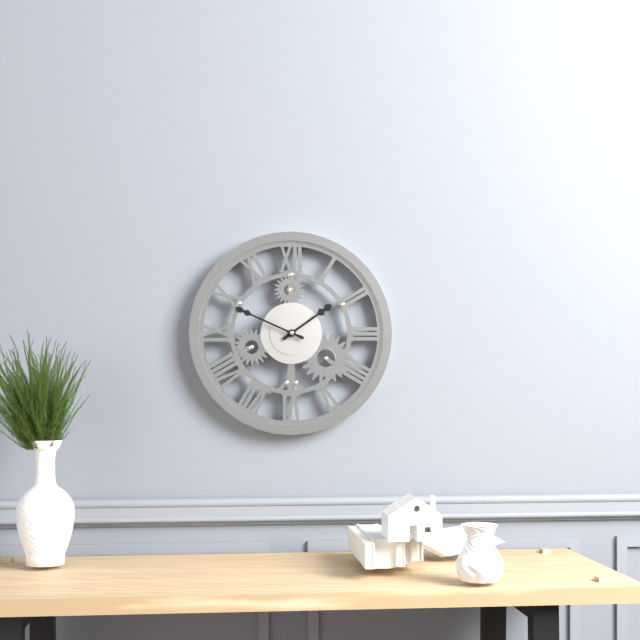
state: 1:49
